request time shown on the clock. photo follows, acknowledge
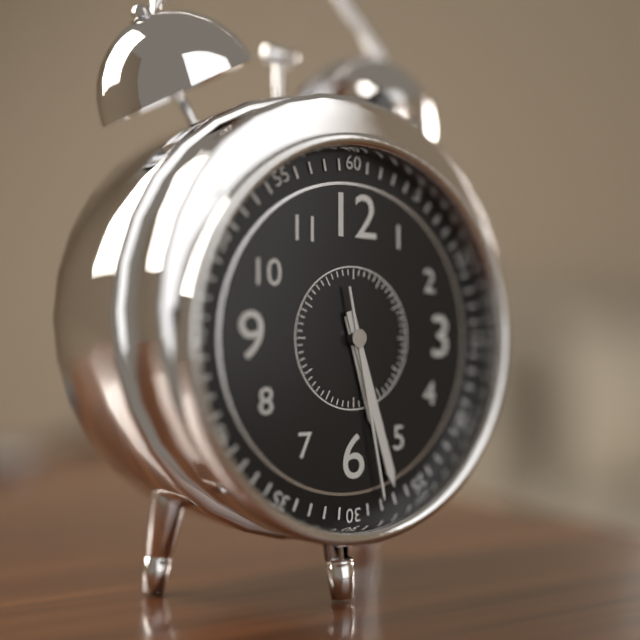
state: 5:27:28
